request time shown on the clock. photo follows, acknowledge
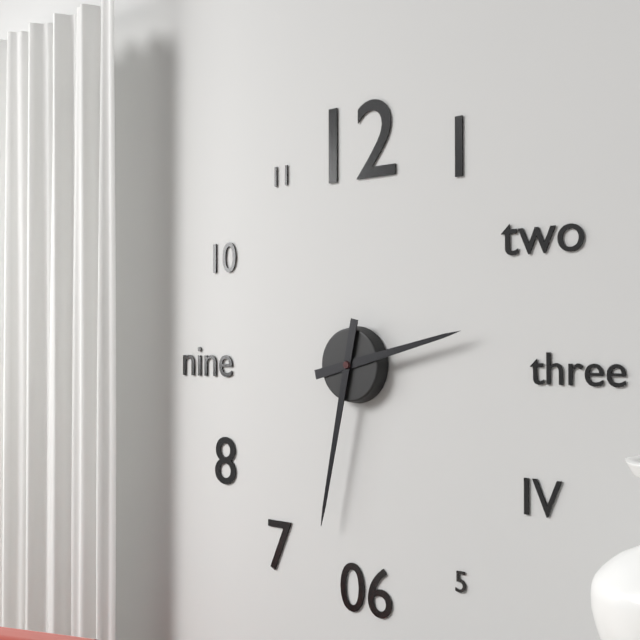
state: 2:32
